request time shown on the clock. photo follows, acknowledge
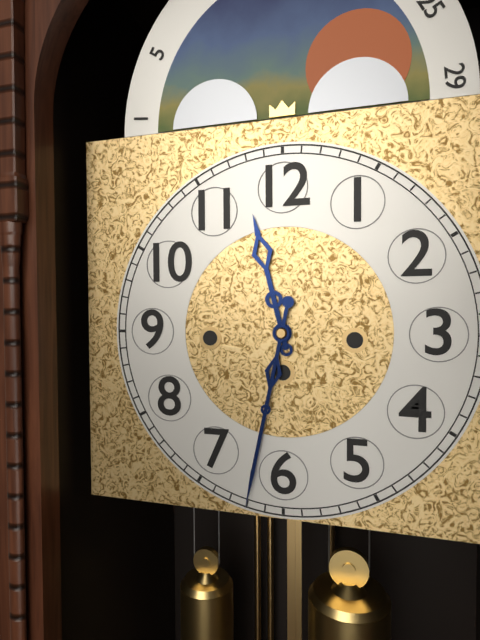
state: 11:32
